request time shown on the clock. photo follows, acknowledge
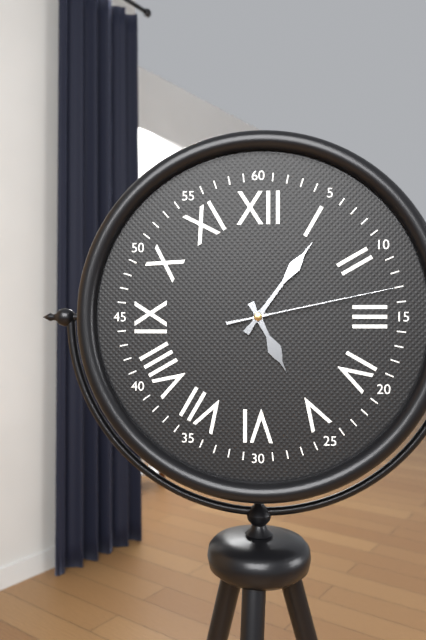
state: 5:06:13
